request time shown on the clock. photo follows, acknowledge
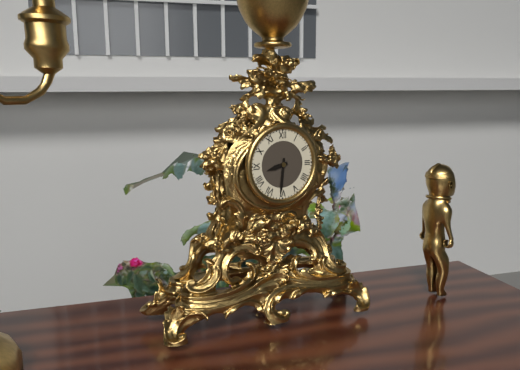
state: 8:31
